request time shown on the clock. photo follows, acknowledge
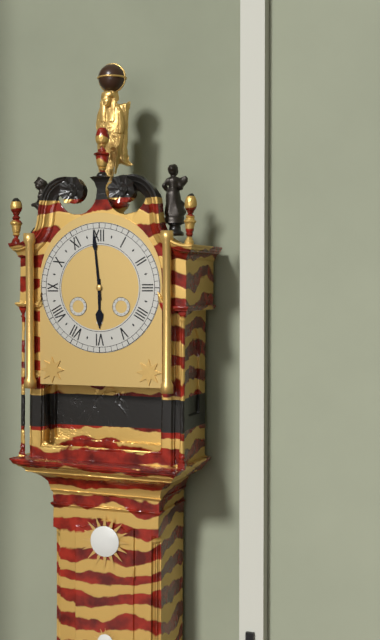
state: 5:59
